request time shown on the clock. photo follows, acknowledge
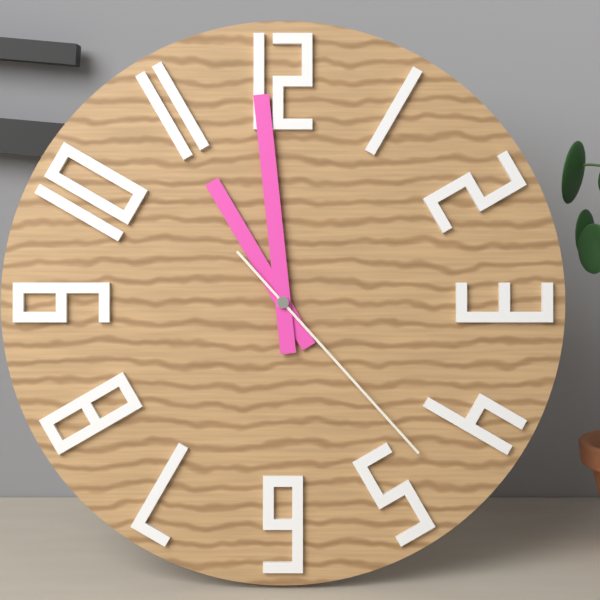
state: 10:59:23
